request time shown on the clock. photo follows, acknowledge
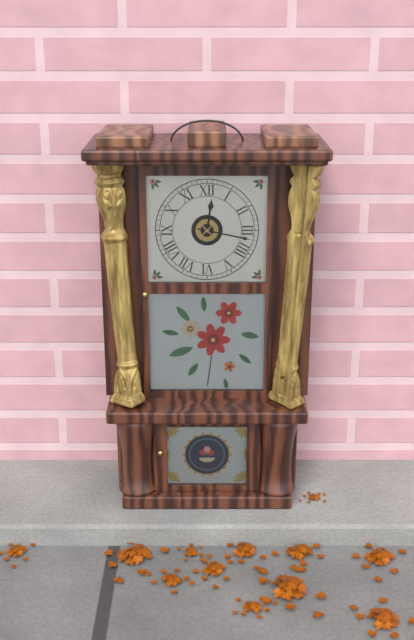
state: 12:17
